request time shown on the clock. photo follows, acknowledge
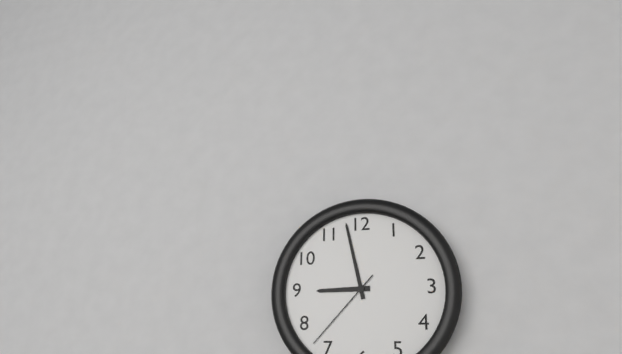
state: 8:58:37
